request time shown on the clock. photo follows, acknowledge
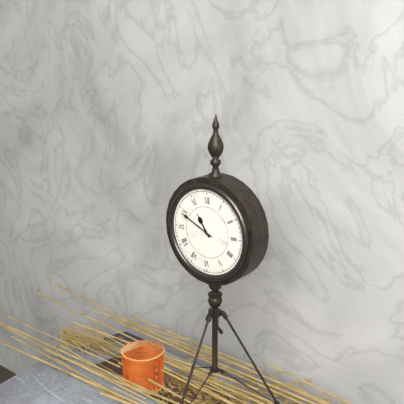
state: 10:49
